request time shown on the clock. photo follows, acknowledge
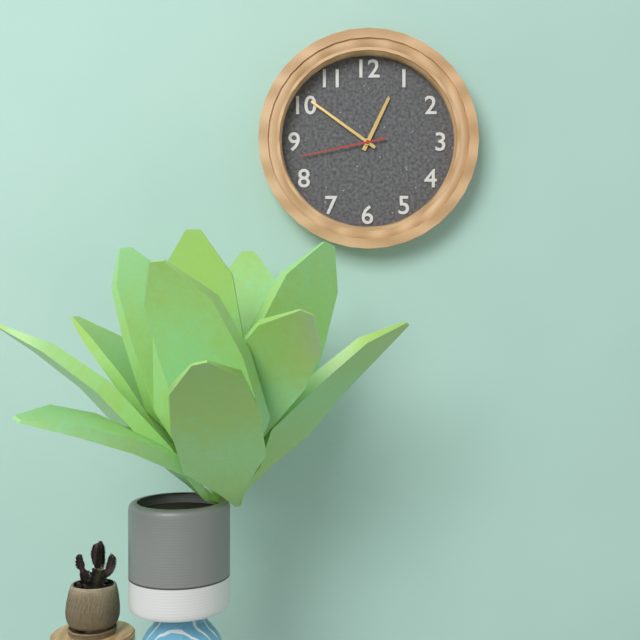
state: 12:51:43
